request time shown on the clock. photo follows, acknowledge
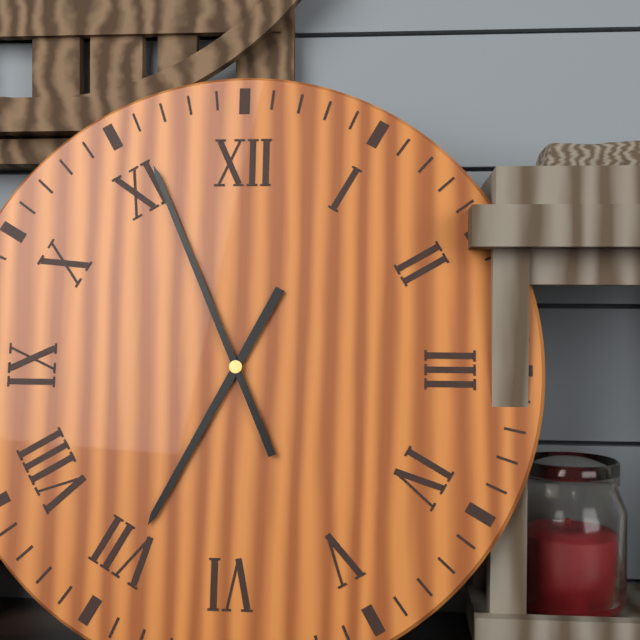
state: 6:56
